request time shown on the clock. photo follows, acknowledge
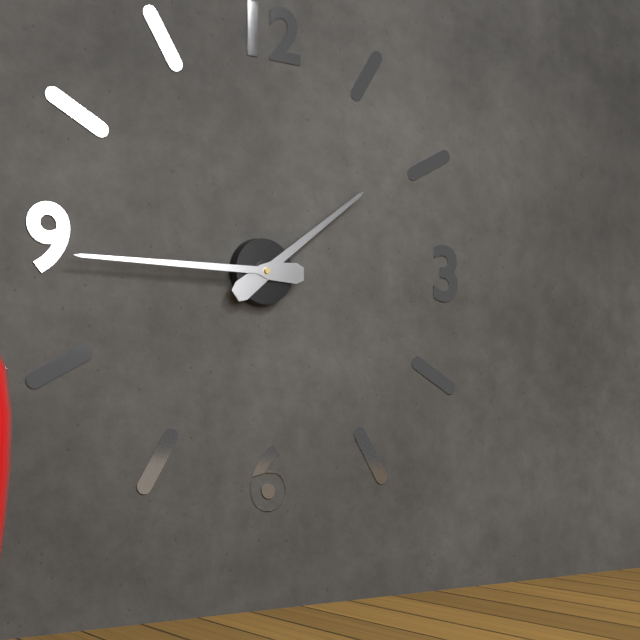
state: 1:45
